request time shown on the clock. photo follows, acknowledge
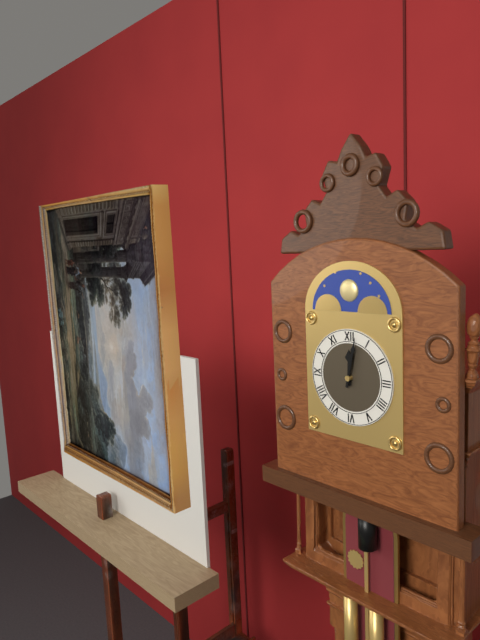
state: 12:02
